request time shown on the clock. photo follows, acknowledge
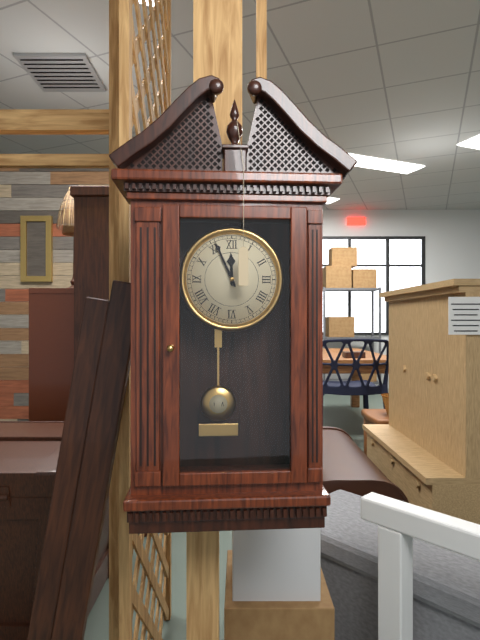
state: 11:56
